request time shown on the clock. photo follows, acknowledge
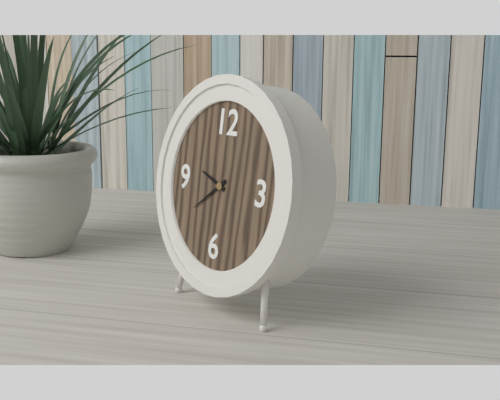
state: 9:39
